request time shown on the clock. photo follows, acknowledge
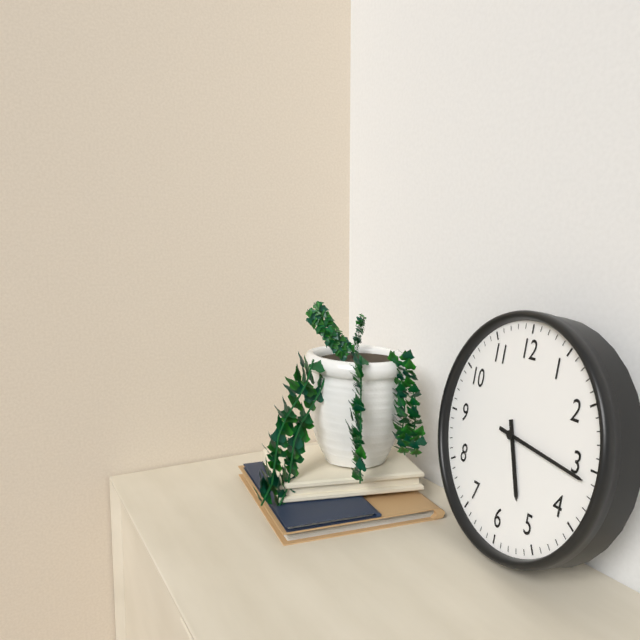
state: 5:16
